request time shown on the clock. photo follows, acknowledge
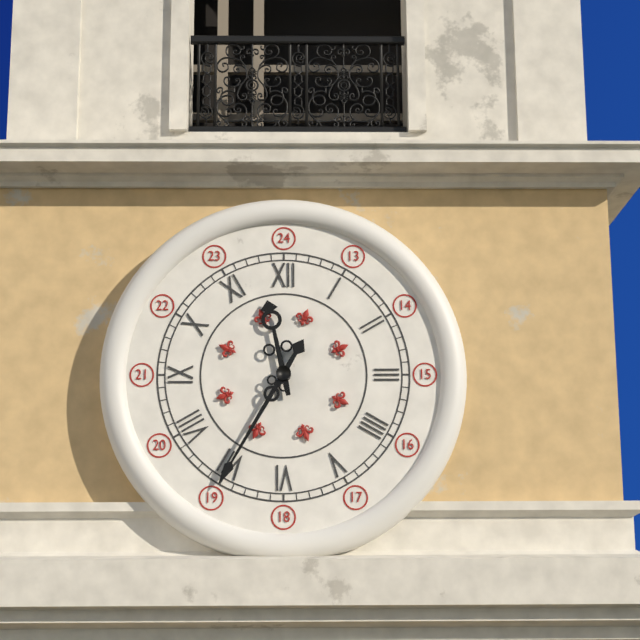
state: 11:35
